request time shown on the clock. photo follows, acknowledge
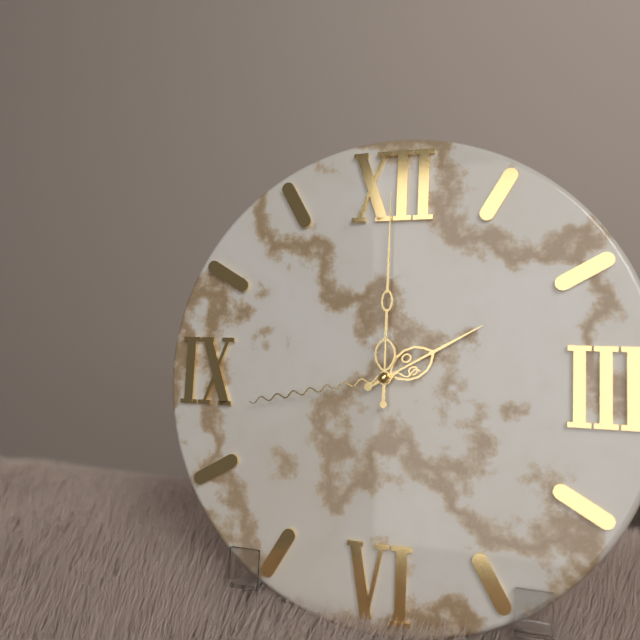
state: 2:00:43
